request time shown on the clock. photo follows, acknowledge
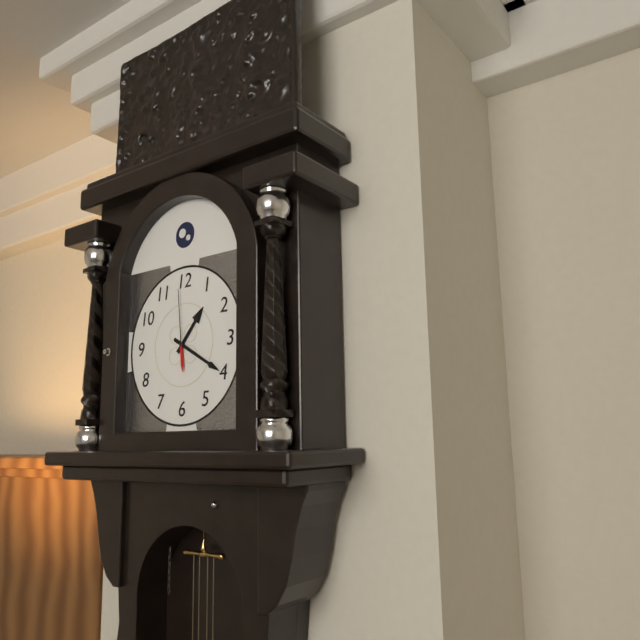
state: 1:20:59
